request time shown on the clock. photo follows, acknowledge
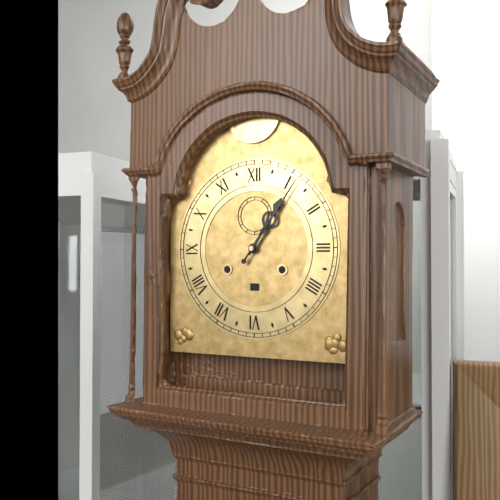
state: 1:06
